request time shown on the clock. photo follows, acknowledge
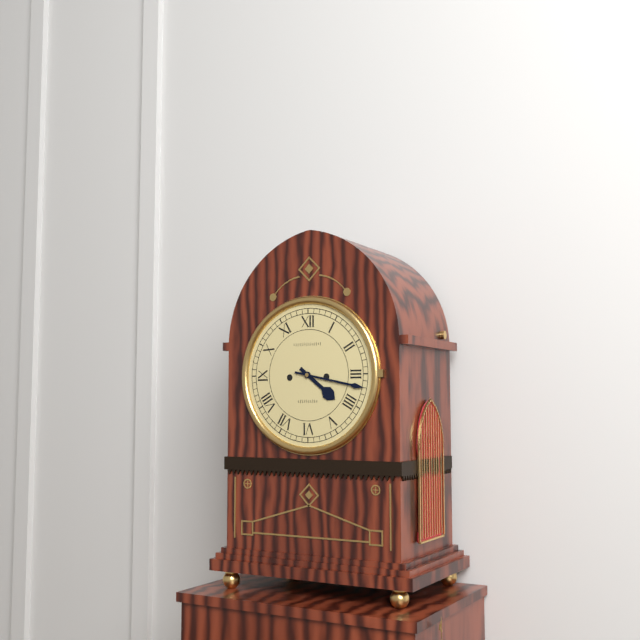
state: 4:17
